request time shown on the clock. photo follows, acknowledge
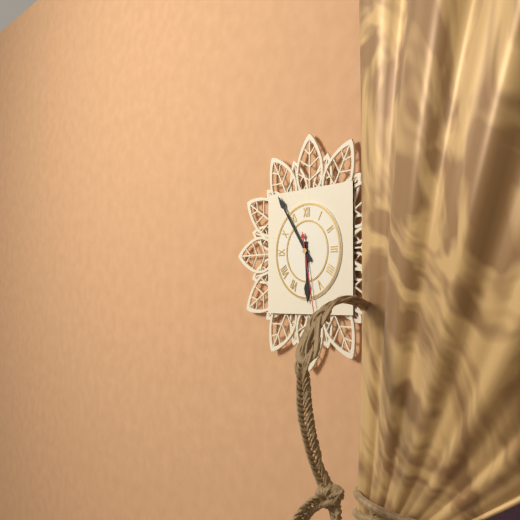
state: 5:54:28
